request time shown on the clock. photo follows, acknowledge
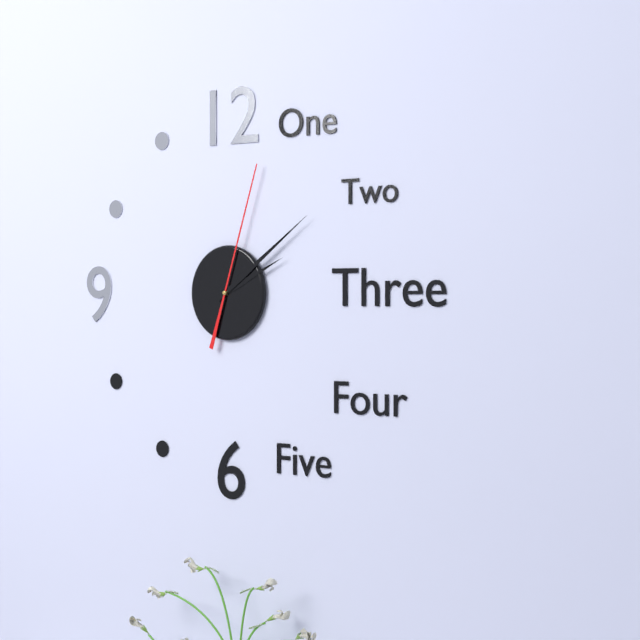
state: 2:09:03
